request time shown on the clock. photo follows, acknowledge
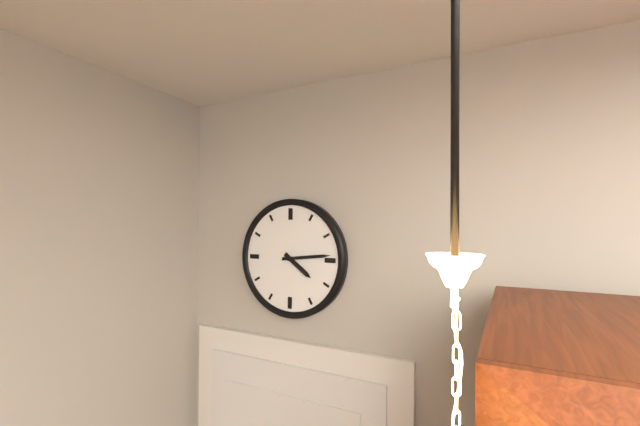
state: 4:14
